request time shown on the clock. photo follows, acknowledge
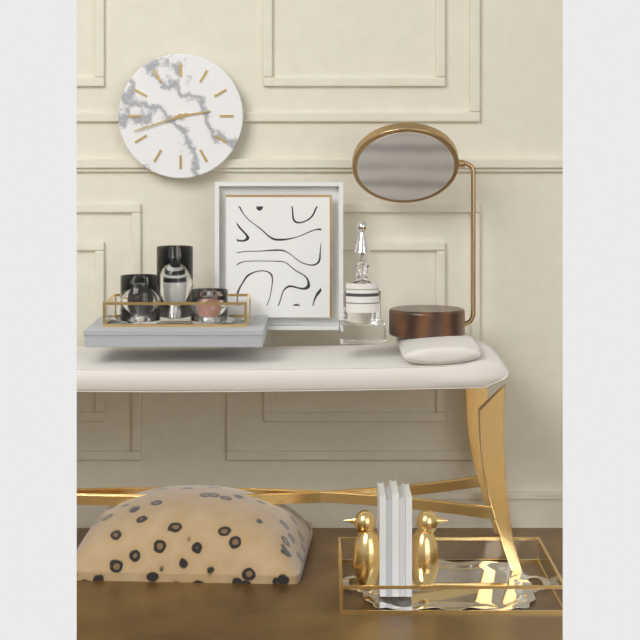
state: 2:42
